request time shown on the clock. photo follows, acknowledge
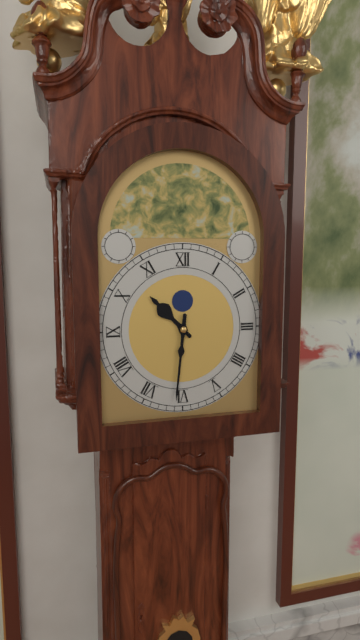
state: 10:31
